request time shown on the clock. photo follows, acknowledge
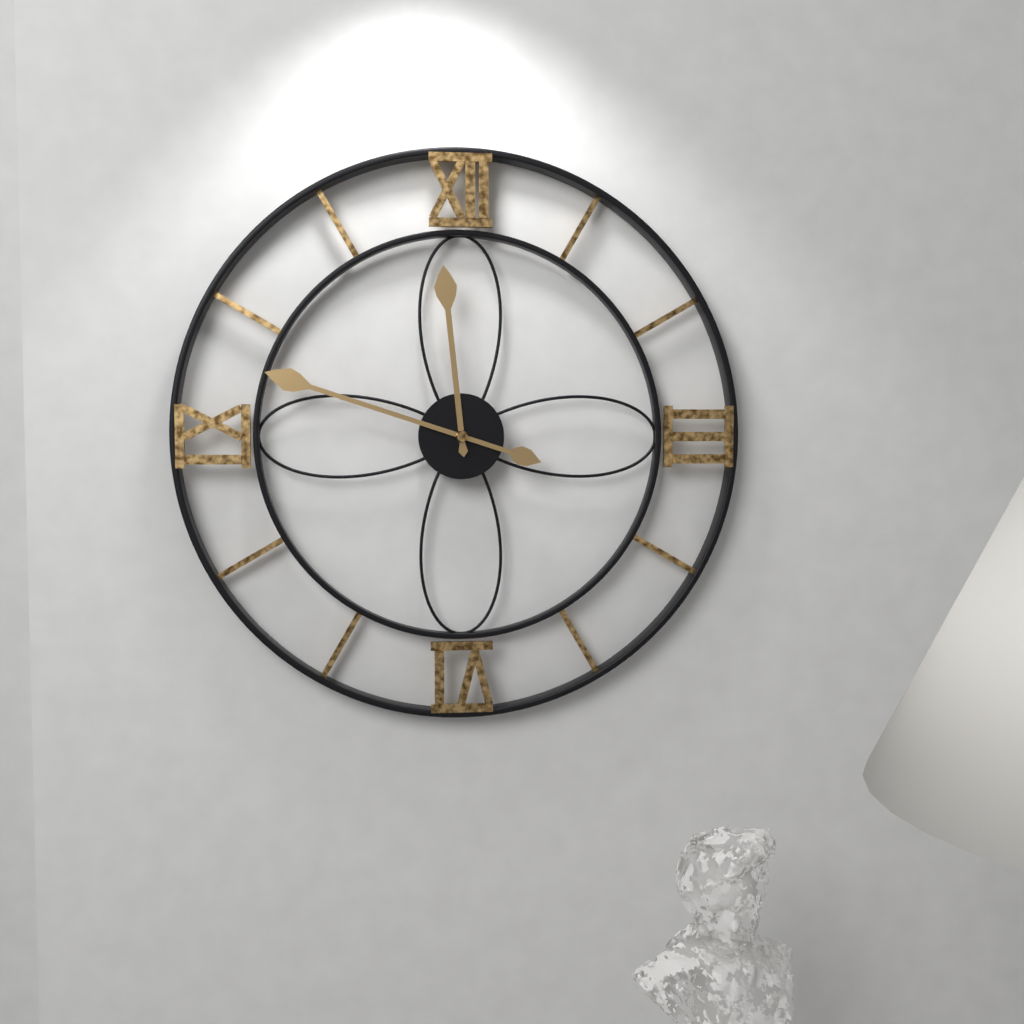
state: 11:48
